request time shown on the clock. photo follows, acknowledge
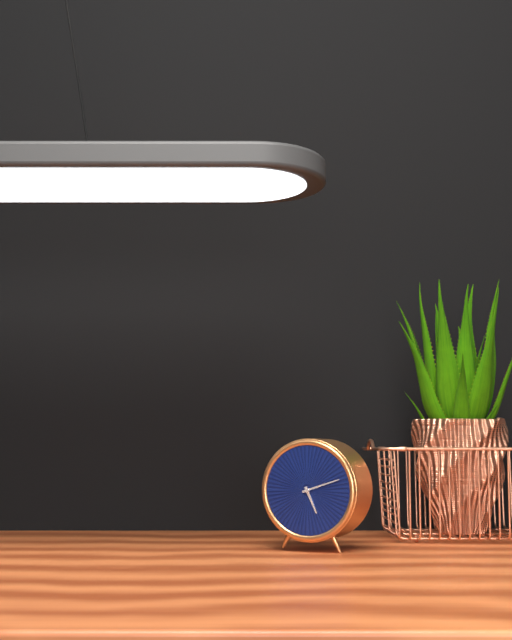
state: 5:12
